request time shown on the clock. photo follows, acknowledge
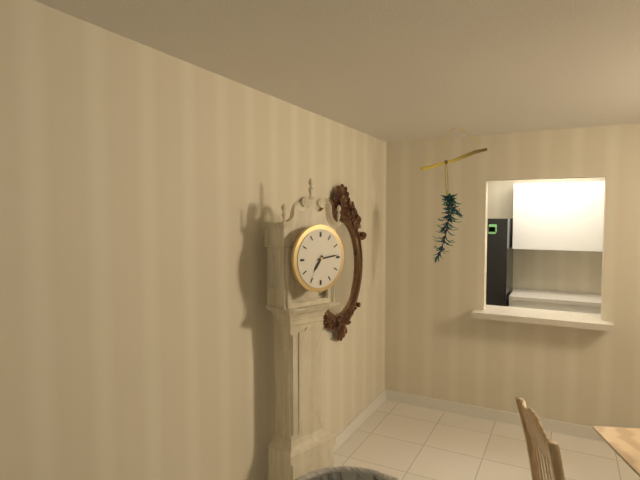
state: 7:14
